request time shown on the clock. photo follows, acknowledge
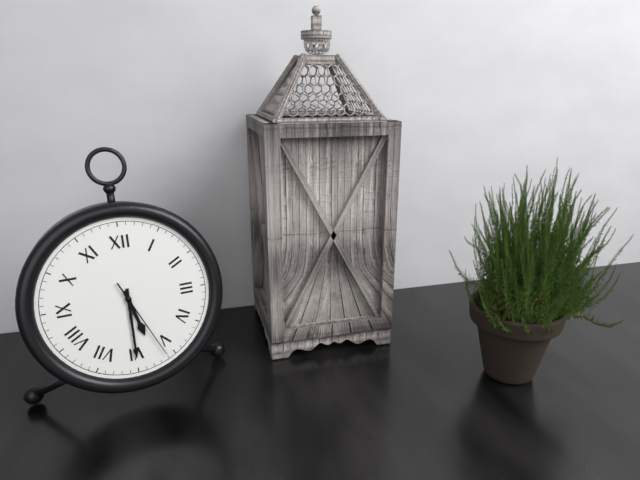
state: 5:30:26
